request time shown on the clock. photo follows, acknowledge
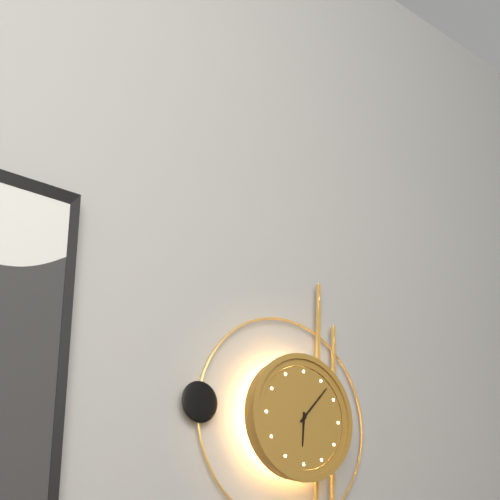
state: 6:07
